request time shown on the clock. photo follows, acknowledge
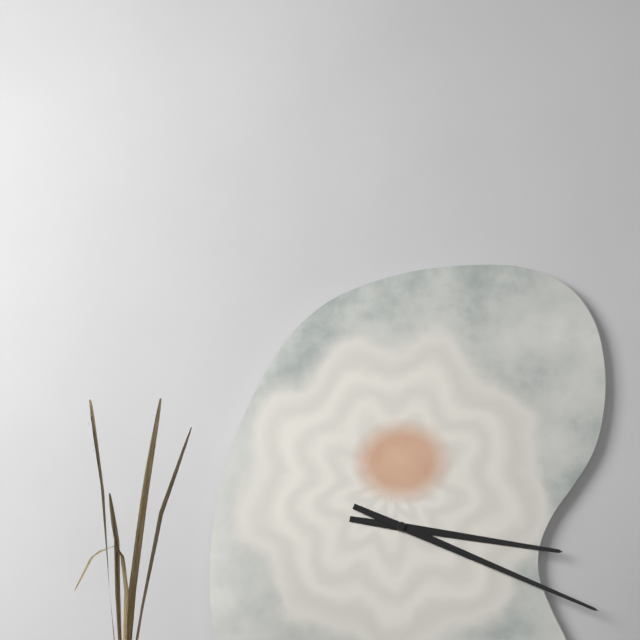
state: 3:19
